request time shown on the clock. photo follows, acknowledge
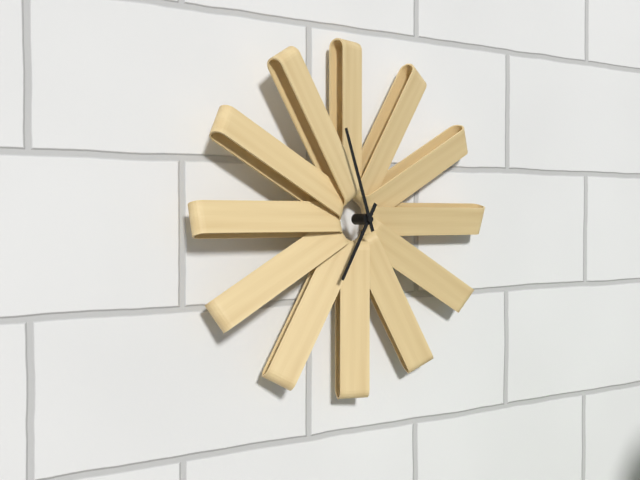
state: 6:57
